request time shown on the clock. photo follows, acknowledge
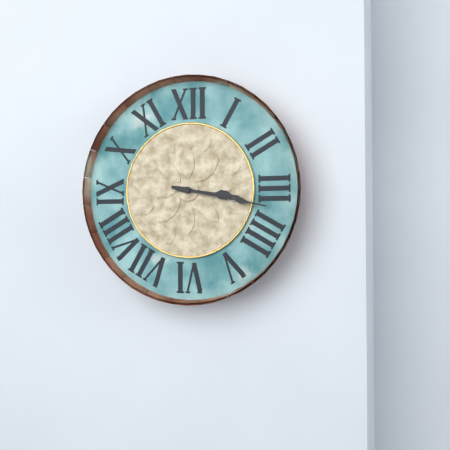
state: 3:17
